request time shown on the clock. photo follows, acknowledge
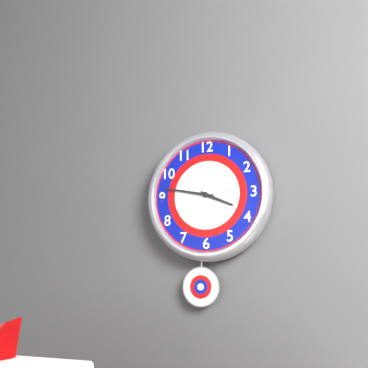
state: 3:47
